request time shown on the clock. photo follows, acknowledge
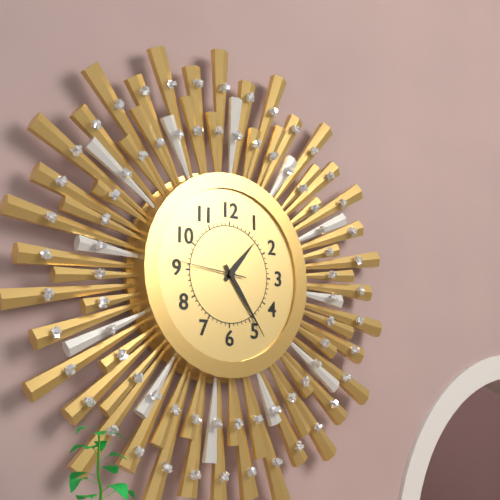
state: 1:24:46
